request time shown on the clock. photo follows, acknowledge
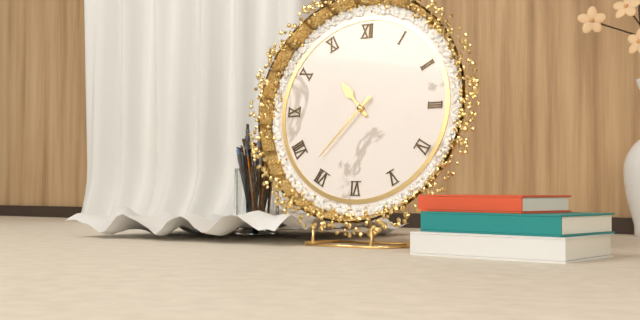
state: 10:37
